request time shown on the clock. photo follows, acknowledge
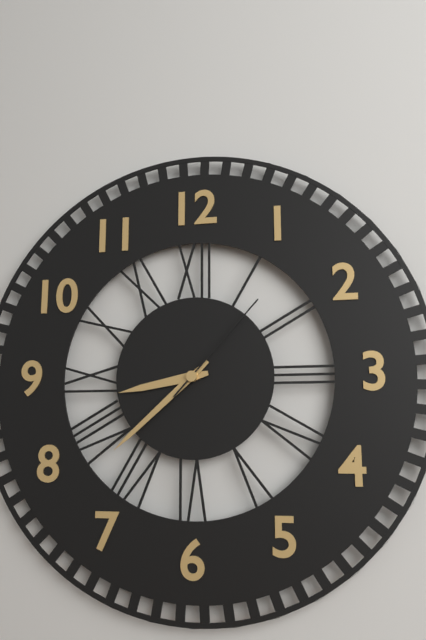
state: 8:38:07
